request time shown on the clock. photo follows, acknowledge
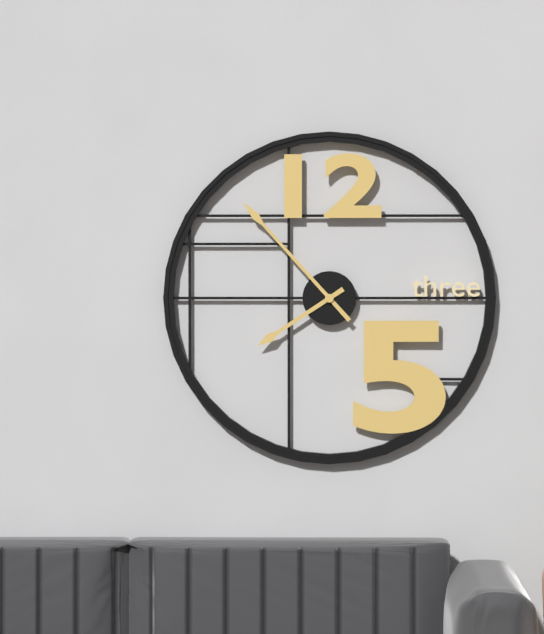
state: 7:53
